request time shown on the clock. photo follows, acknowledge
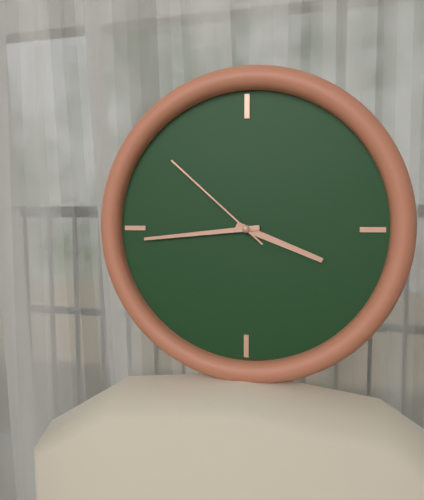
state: 3:44:52
